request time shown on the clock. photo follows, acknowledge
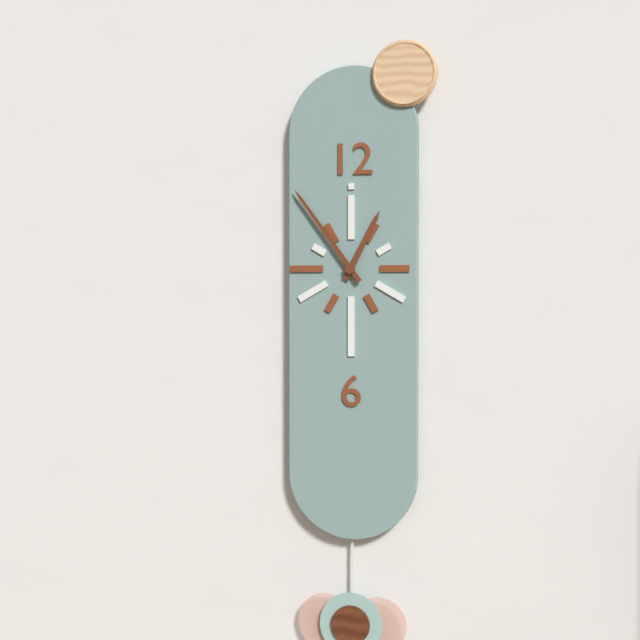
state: 12:54
